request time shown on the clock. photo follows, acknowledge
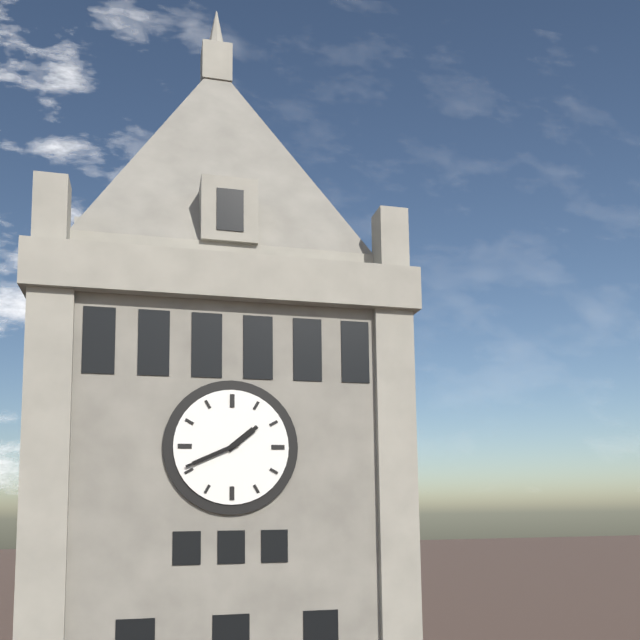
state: 1:41
